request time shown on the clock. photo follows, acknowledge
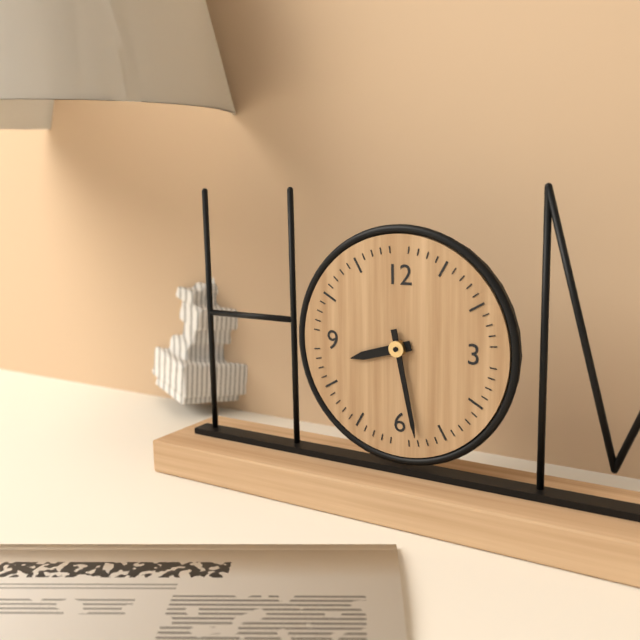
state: 8:28
